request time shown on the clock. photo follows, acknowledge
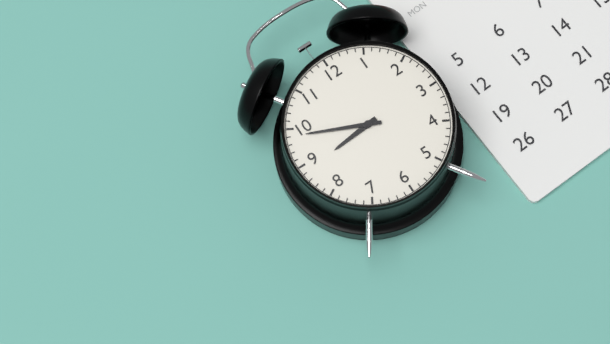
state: 8:49
